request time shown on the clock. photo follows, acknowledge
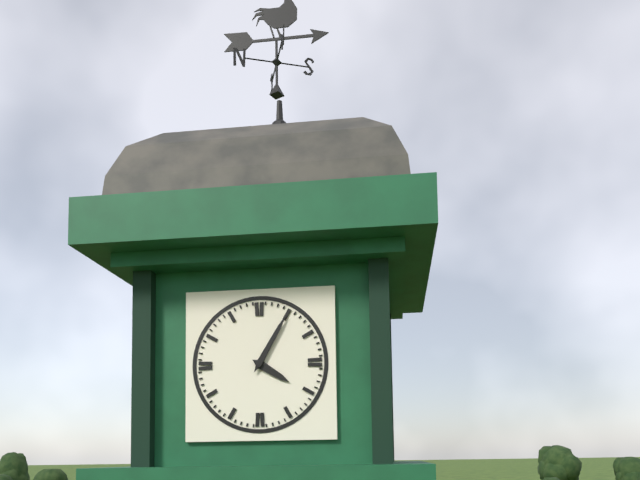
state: 4:05
